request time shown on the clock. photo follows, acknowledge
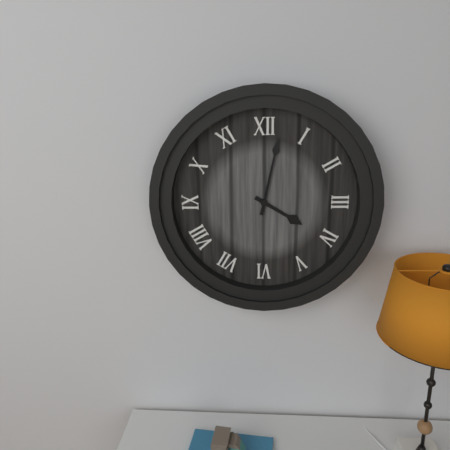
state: 4:02
